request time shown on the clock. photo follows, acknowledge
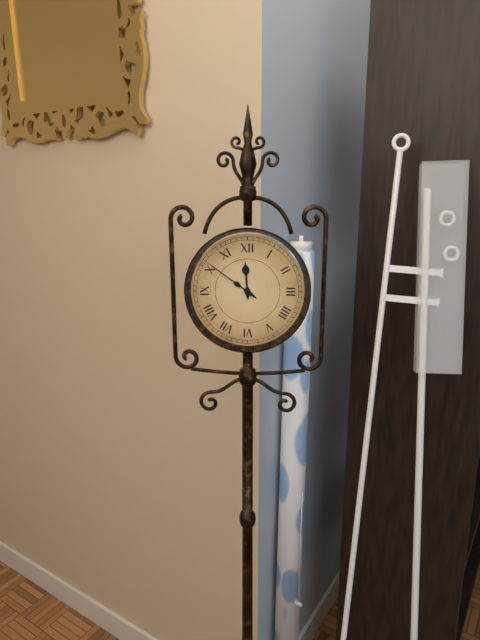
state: 11:51
